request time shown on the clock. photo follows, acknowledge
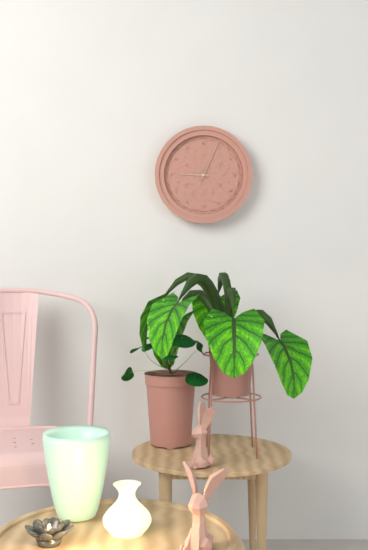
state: 9:04
